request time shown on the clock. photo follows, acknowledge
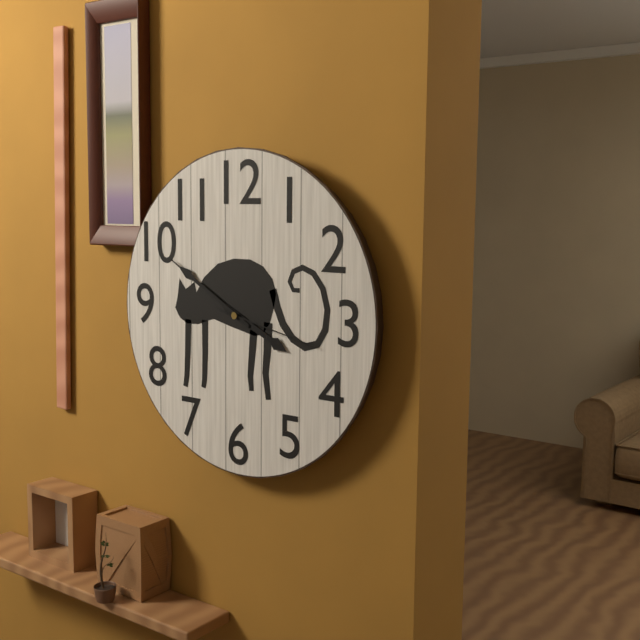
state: 3:50:17
